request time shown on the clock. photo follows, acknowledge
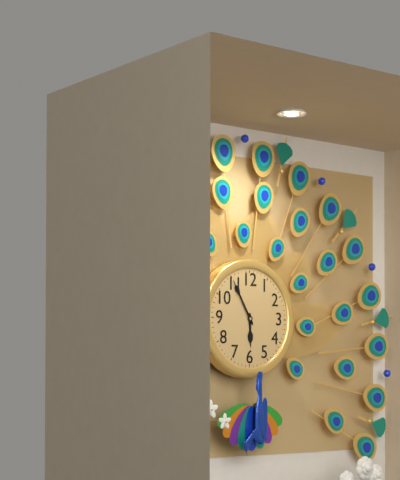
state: 5:55
